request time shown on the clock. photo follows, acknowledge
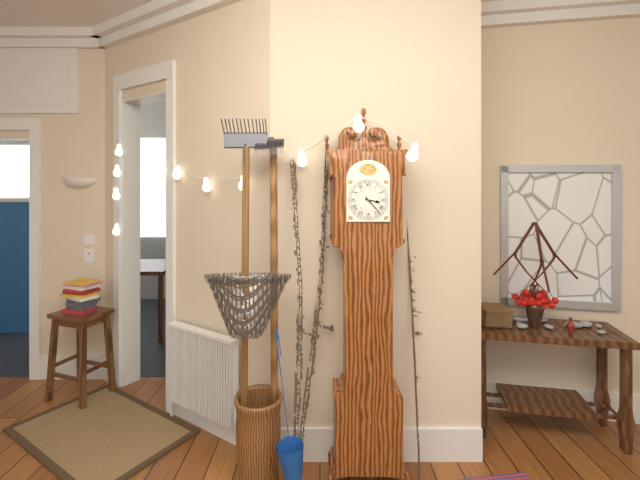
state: 3:23
